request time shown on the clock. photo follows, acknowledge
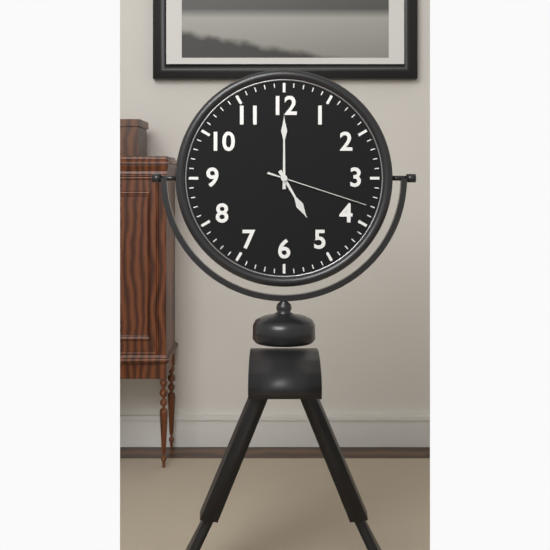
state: 5:00:18
